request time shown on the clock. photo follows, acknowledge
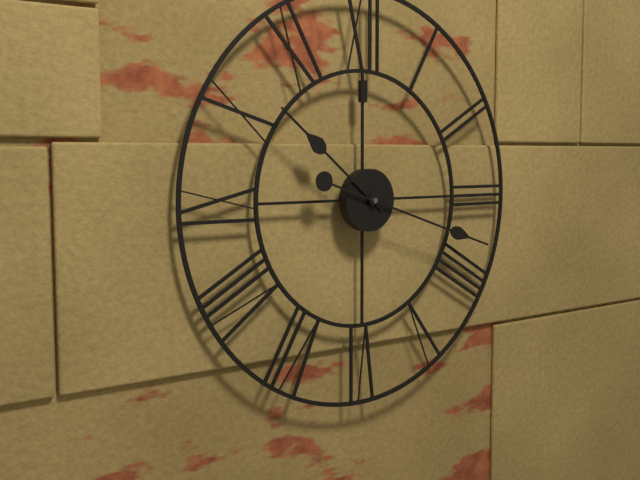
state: 10:18
